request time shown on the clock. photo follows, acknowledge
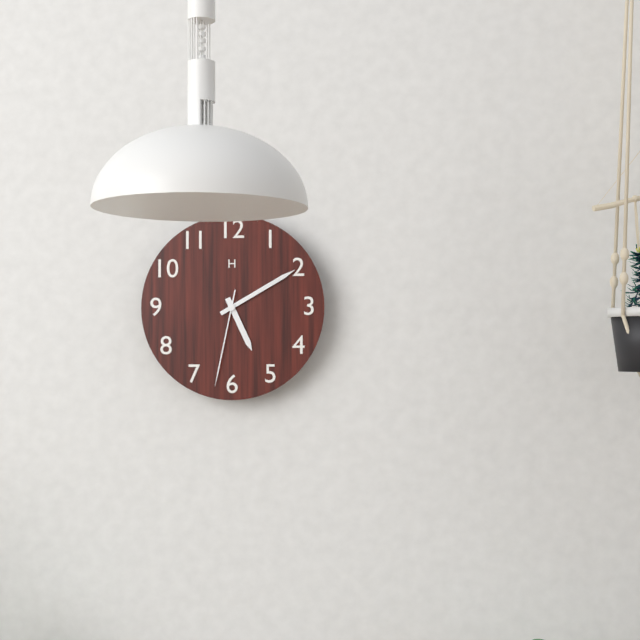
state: 5:10:32
